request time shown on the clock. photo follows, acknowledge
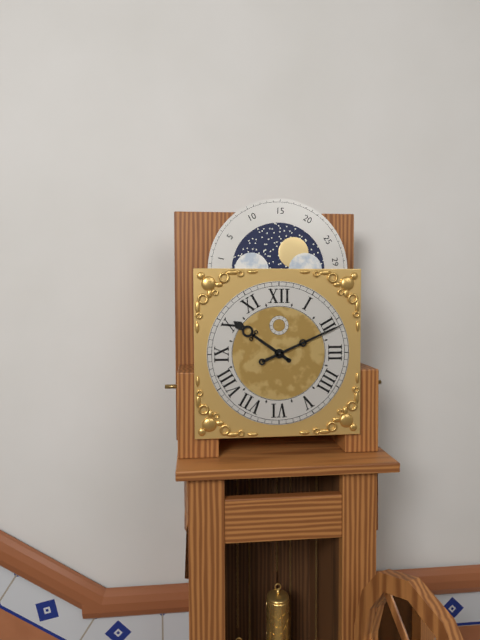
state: 10:11
